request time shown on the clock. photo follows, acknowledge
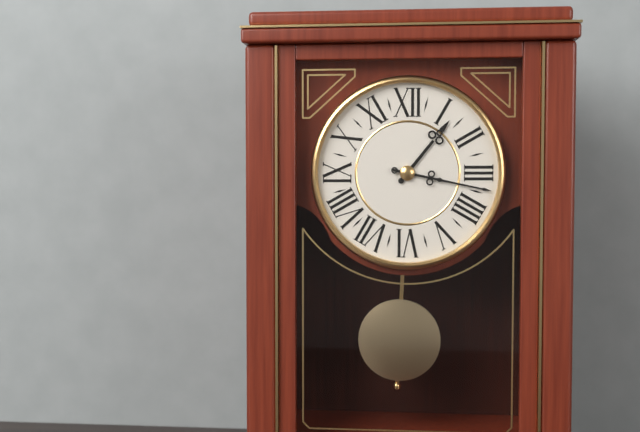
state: 1:17
